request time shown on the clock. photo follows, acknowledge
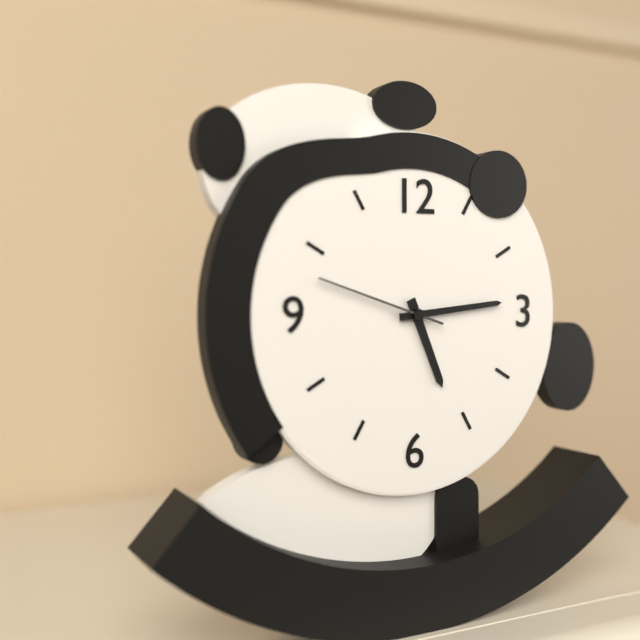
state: 5:14:48
